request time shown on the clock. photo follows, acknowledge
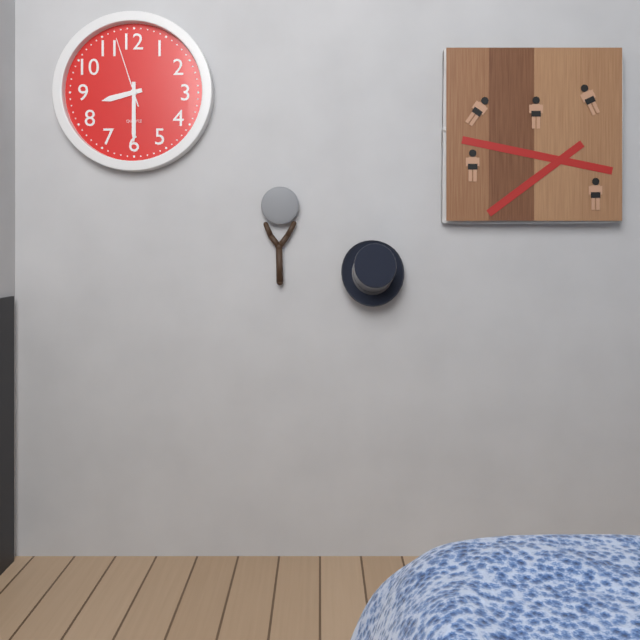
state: 8:30:57
